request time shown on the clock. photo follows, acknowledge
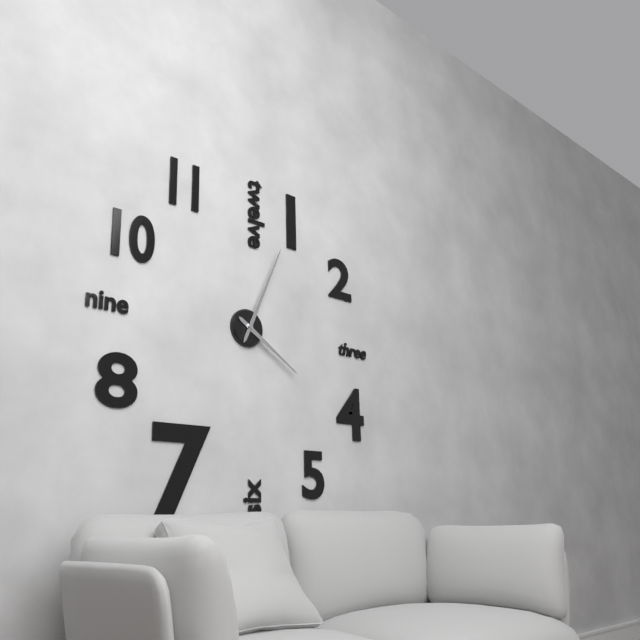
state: 4:04
